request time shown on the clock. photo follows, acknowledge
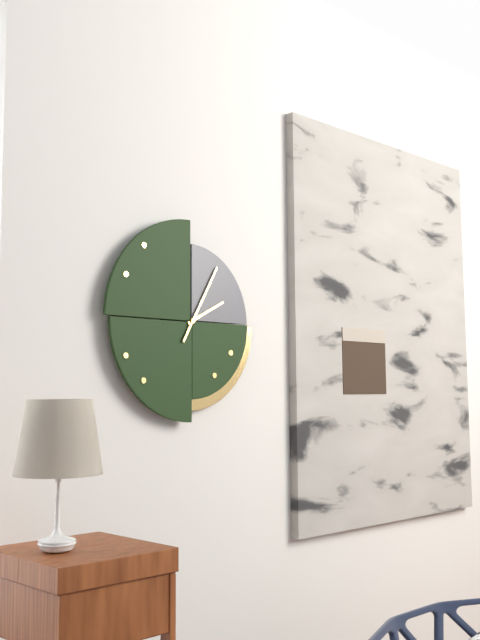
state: 2:05
